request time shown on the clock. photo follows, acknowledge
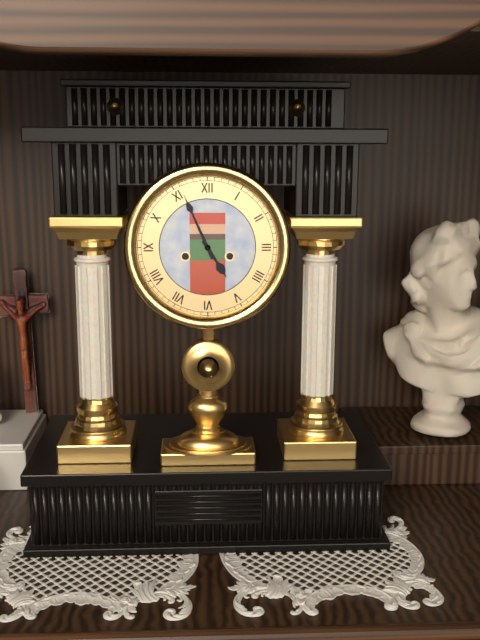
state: 4:56
